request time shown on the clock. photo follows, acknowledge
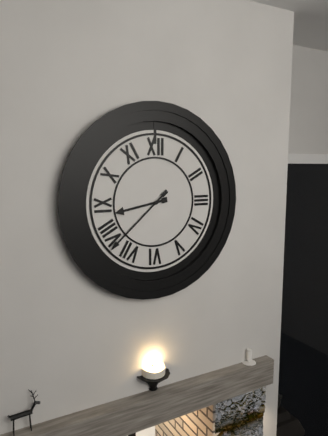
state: 8:38
